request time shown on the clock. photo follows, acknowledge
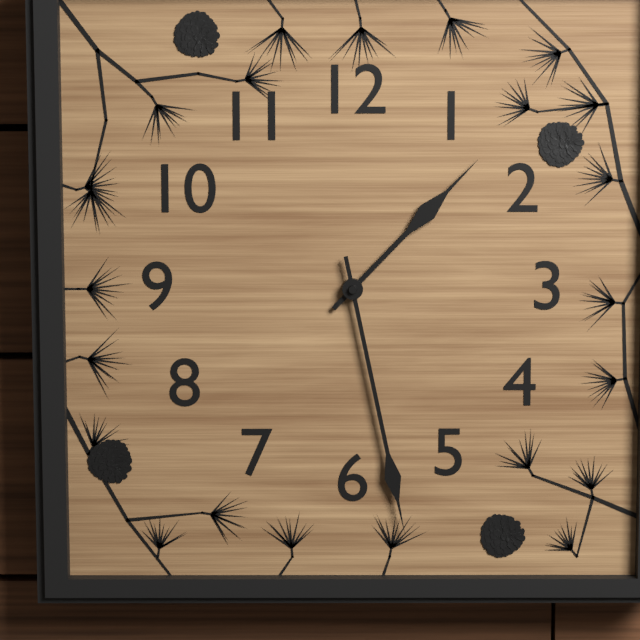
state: 1:28
